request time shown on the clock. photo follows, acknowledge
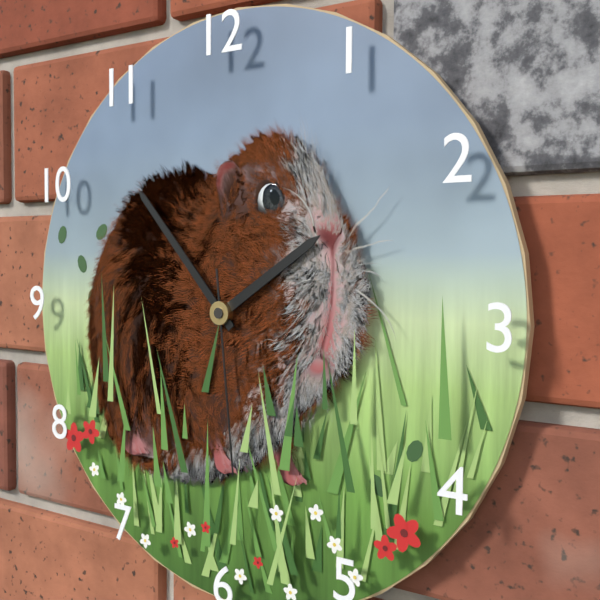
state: 1:53:29
